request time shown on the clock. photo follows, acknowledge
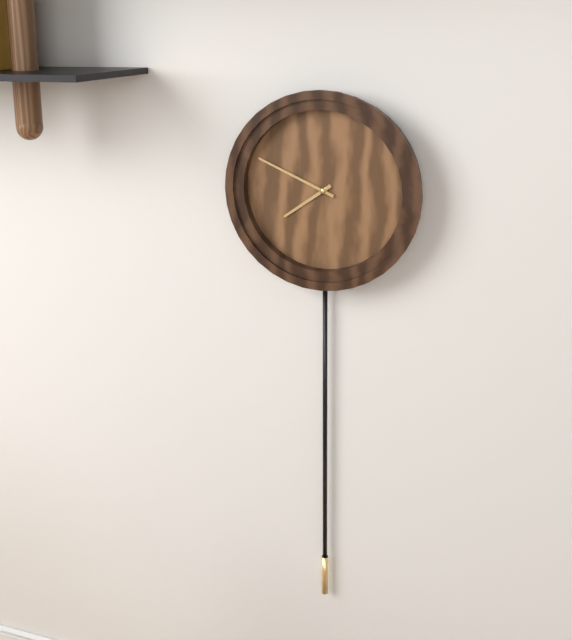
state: 7:49
